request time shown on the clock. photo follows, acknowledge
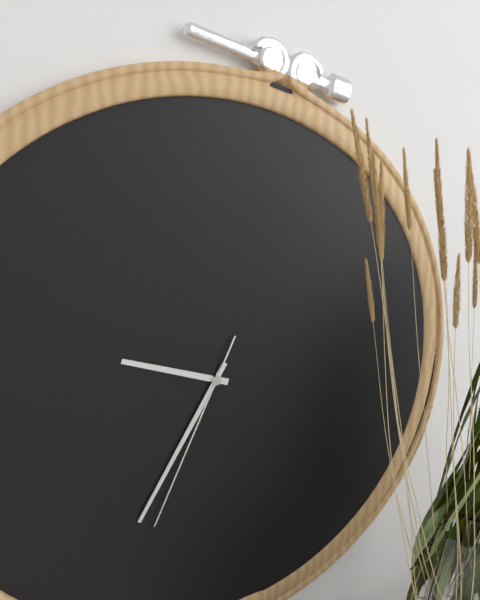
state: 9:35:34
